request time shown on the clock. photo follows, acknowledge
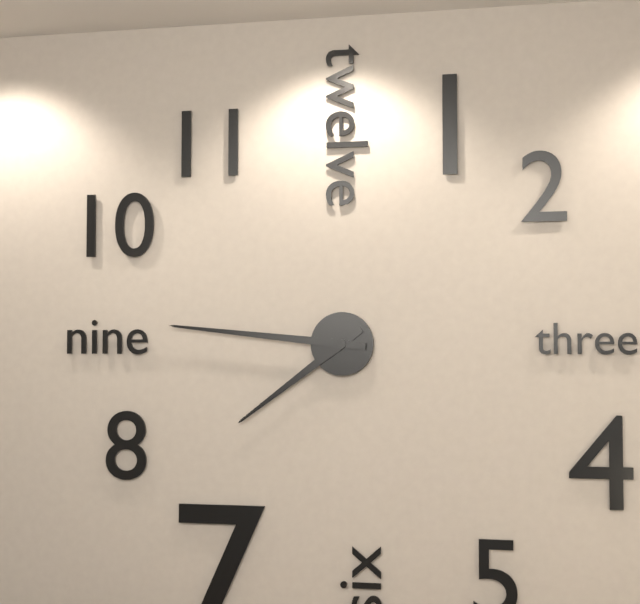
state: 7:46
